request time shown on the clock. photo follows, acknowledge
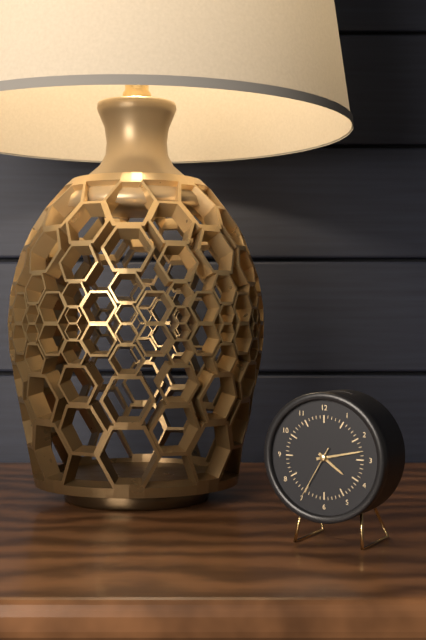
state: 4:13:35
